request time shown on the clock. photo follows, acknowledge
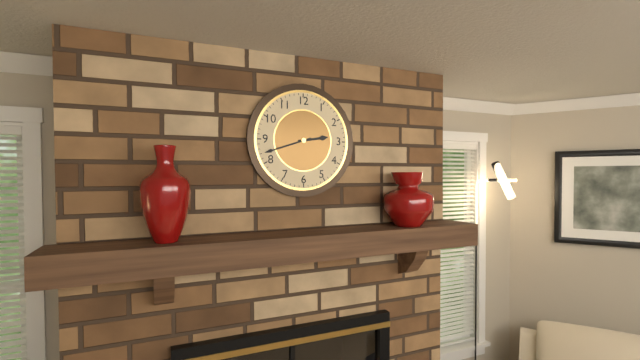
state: 2:42
